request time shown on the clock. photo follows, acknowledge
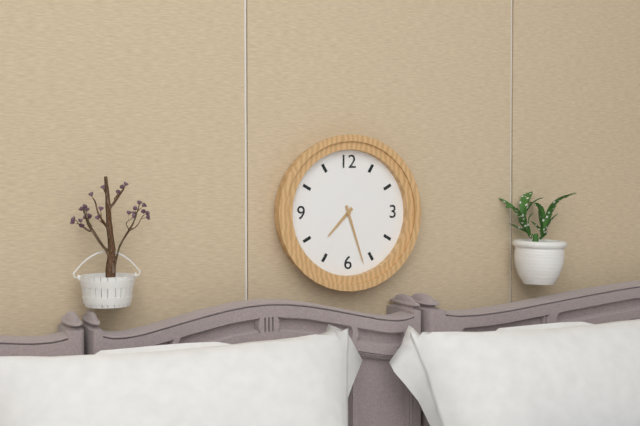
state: 7:27
